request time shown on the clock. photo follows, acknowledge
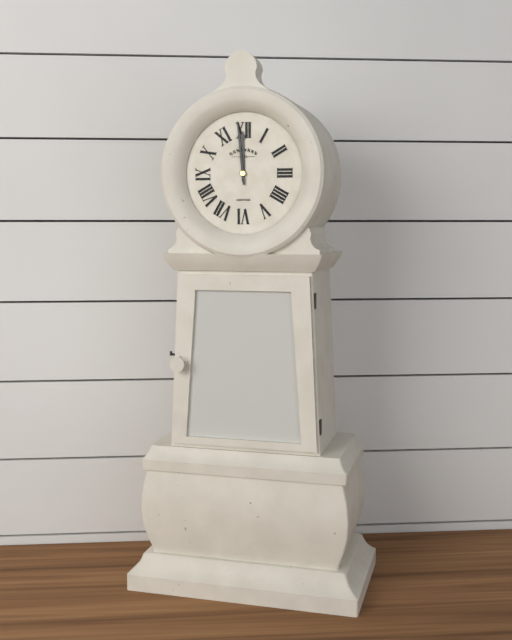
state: 11:59
